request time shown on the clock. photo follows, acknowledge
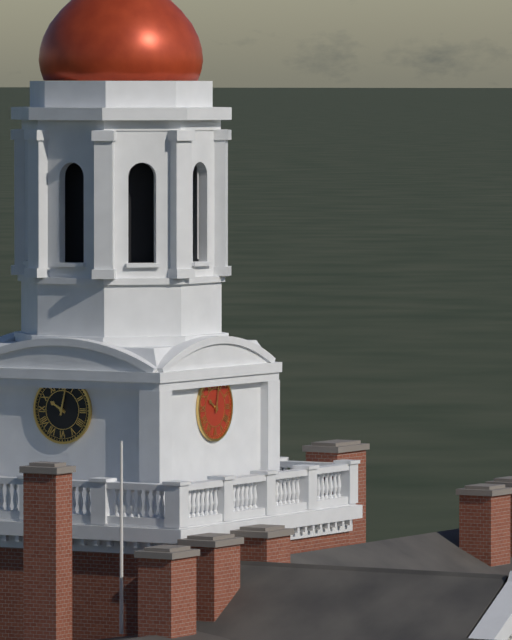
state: 10:02
